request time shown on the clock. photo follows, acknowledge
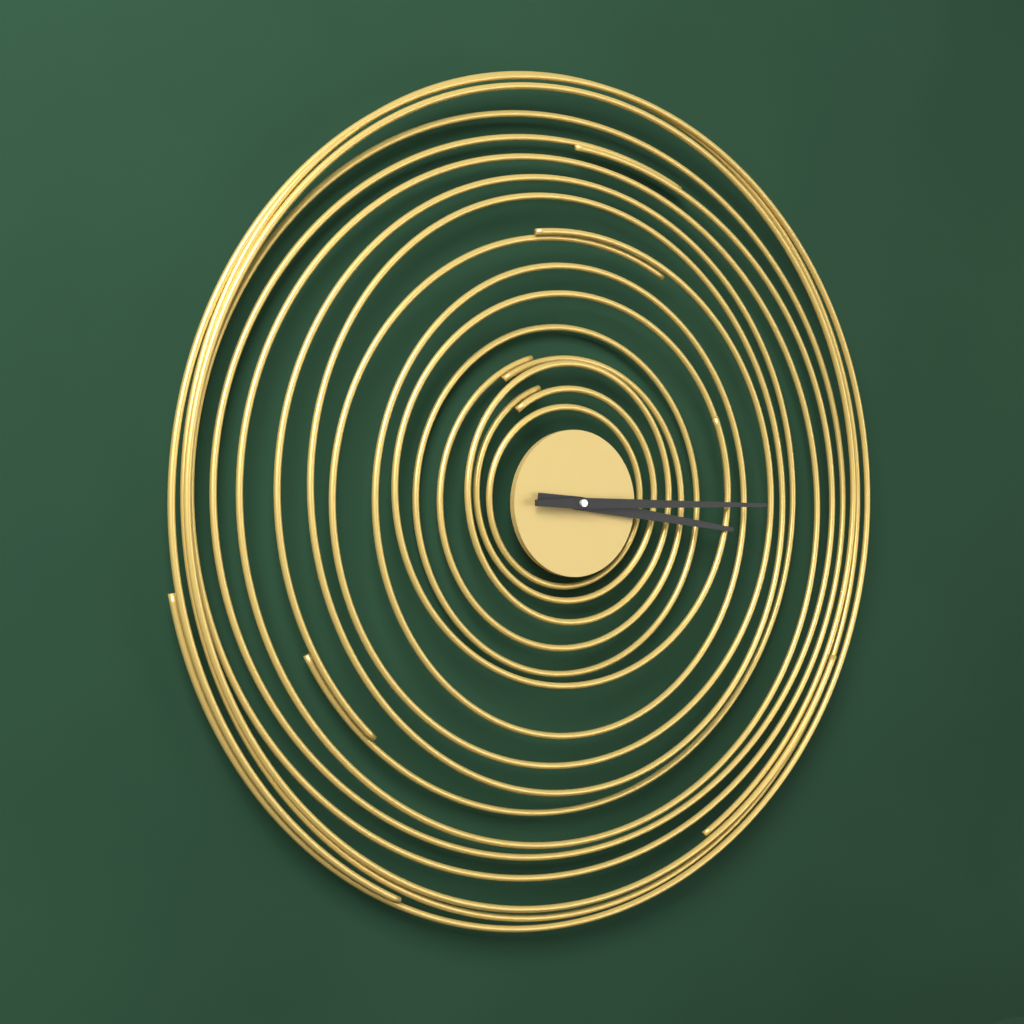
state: 3:15
